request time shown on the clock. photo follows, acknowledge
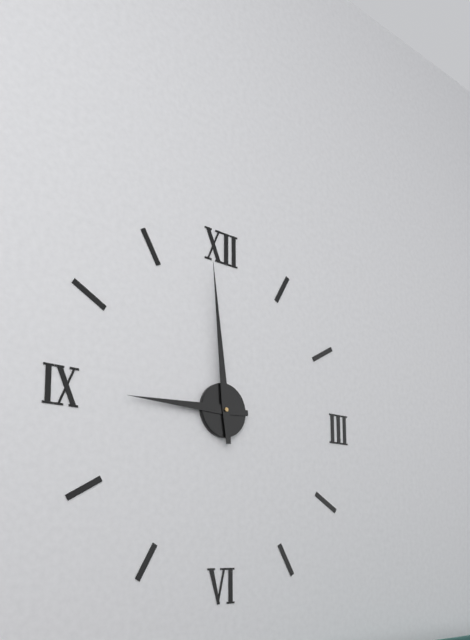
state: 8:59
